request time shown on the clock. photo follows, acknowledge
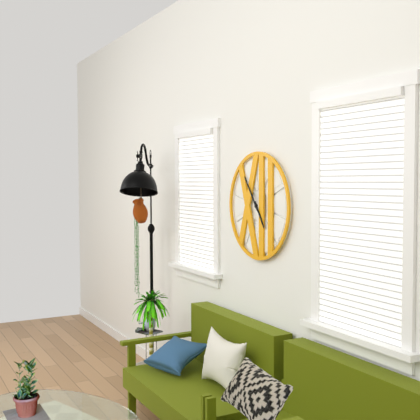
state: 4:54
